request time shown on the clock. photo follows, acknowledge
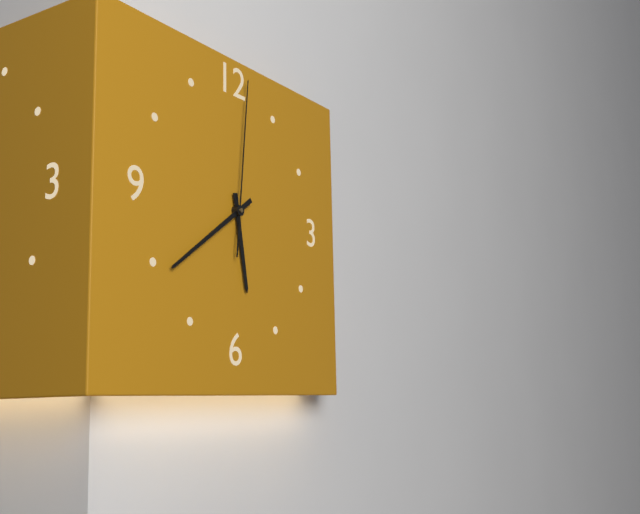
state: 5:39:01
